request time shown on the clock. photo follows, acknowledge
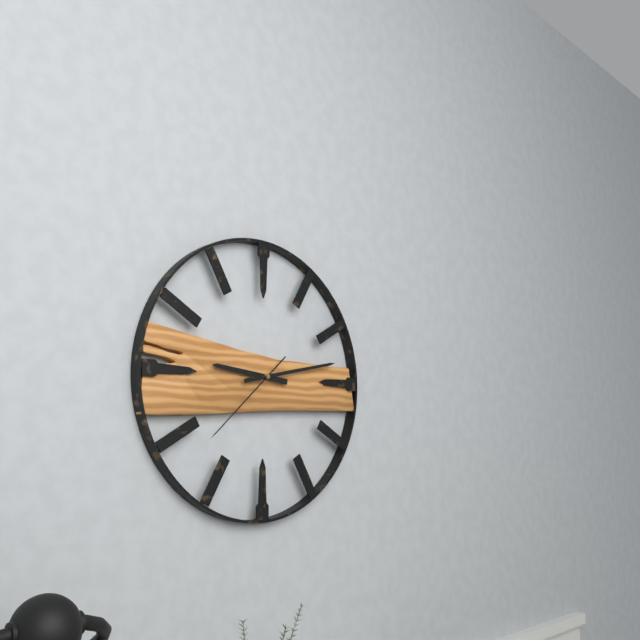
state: 9:13:38
